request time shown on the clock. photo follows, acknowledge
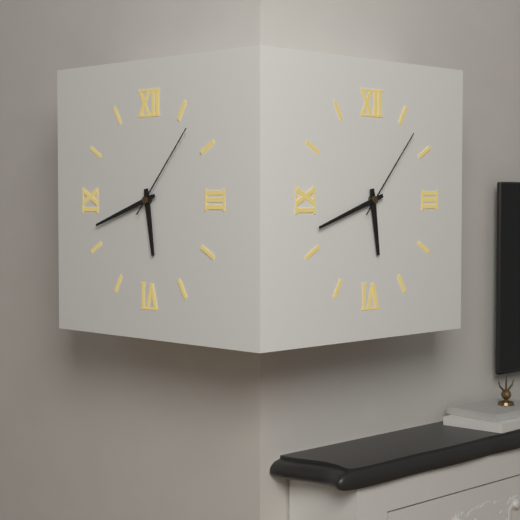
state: 5:42:07
